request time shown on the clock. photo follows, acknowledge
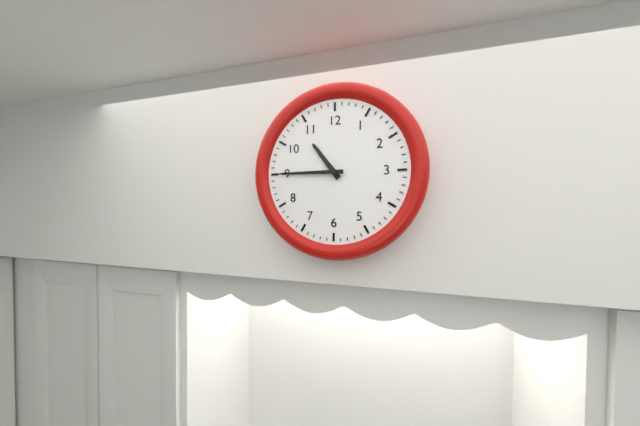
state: 10:45
